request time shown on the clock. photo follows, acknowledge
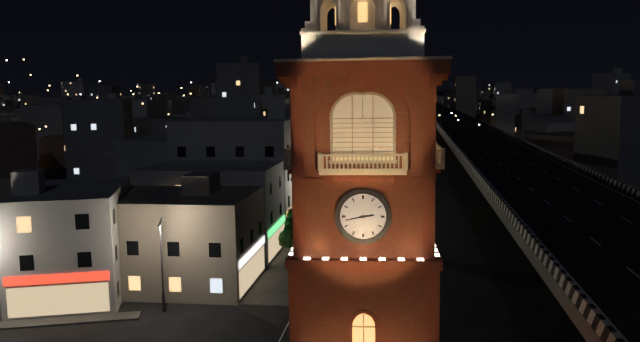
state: 2:43
